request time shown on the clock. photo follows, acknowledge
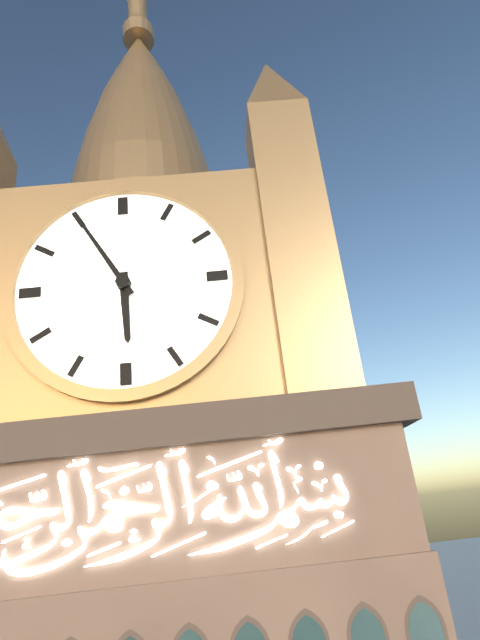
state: 5:55
